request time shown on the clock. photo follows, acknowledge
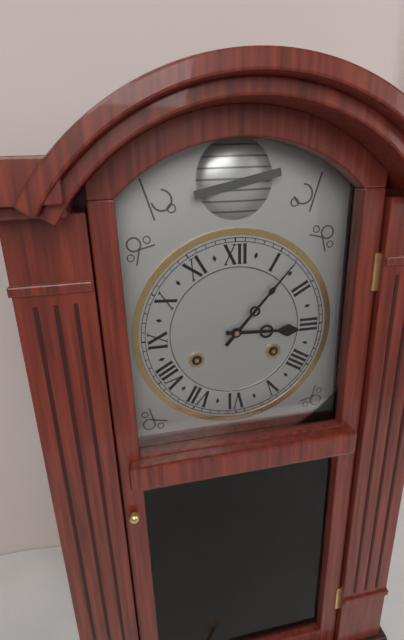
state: 3:07
